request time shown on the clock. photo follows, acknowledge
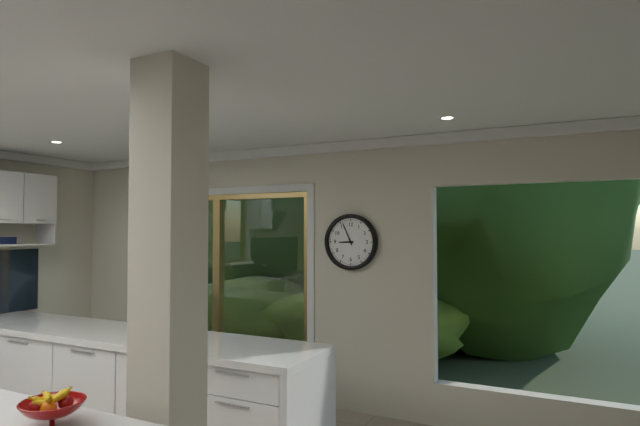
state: 8:56
